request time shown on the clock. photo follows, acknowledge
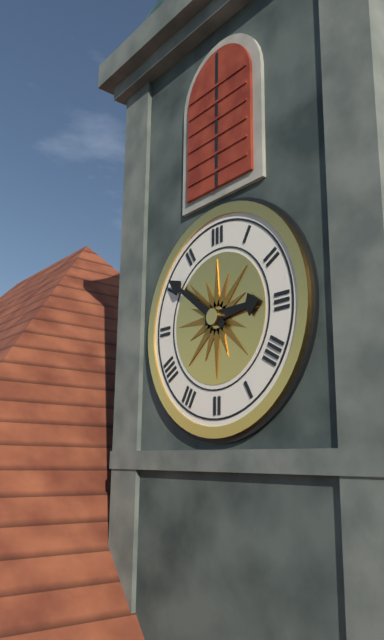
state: 2:51
